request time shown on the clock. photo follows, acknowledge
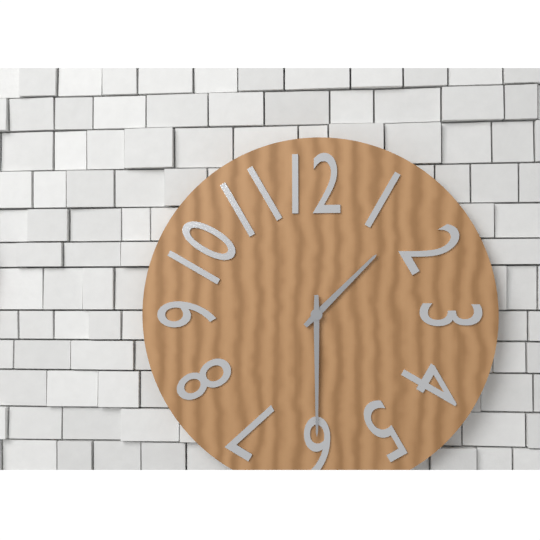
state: 1:30
